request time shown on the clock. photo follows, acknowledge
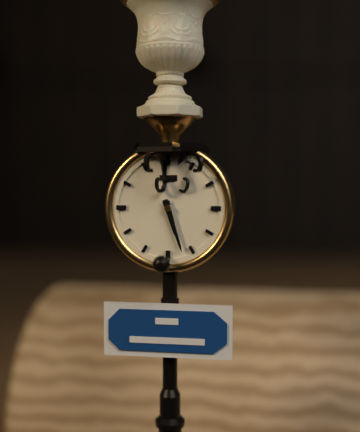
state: 5:27
